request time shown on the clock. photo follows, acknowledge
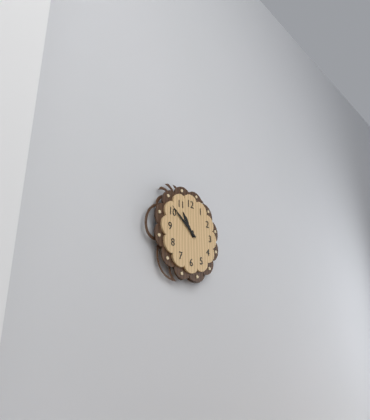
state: 10:51
